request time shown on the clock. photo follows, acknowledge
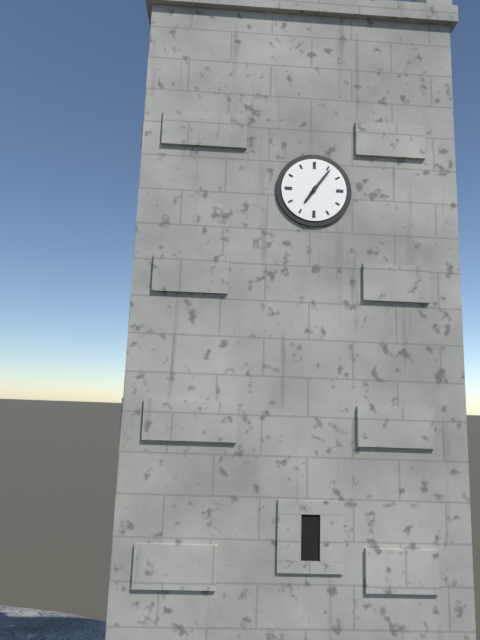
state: 7:06
